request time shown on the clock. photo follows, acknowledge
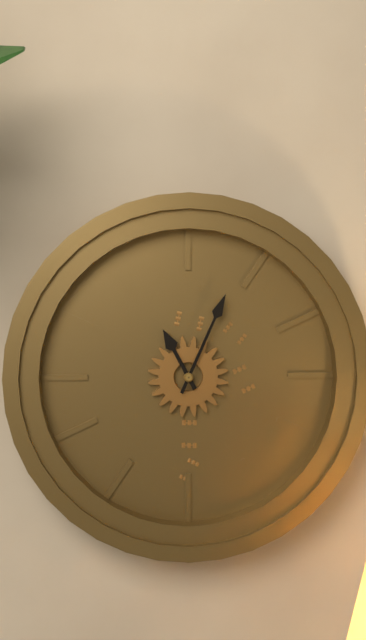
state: 11:04
